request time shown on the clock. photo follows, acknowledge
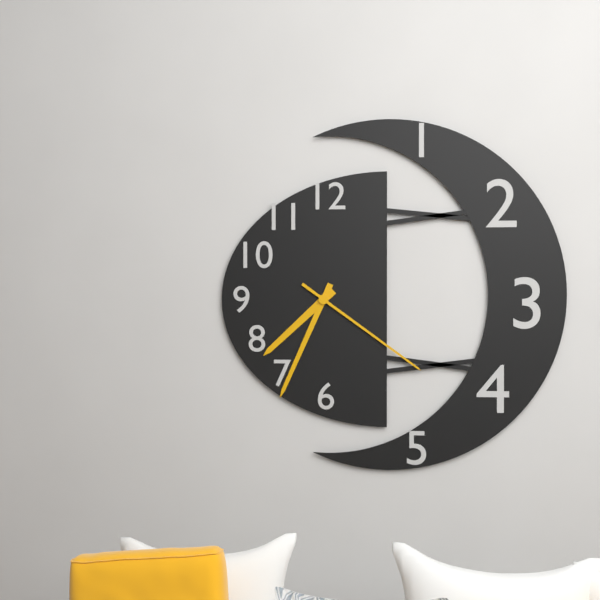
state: 7:34:21
